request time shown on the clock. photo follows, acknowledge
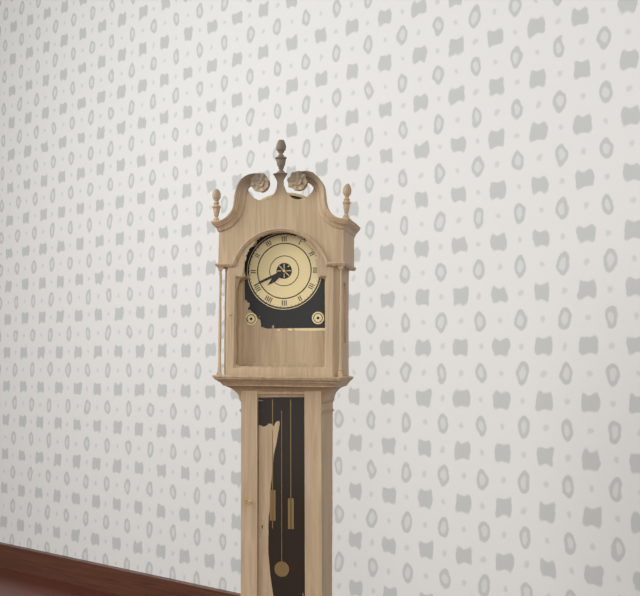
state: 7:41
